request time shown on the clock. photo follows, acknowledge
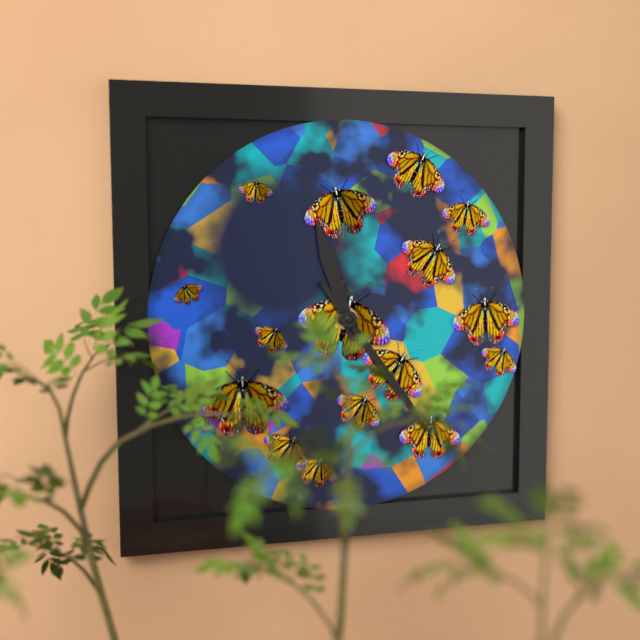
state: 11:24
